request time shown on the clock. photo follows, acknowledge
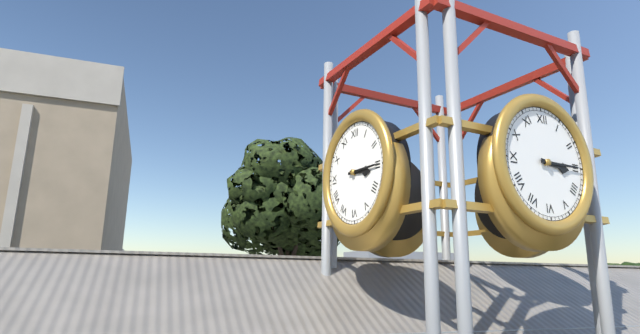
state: 3:15
